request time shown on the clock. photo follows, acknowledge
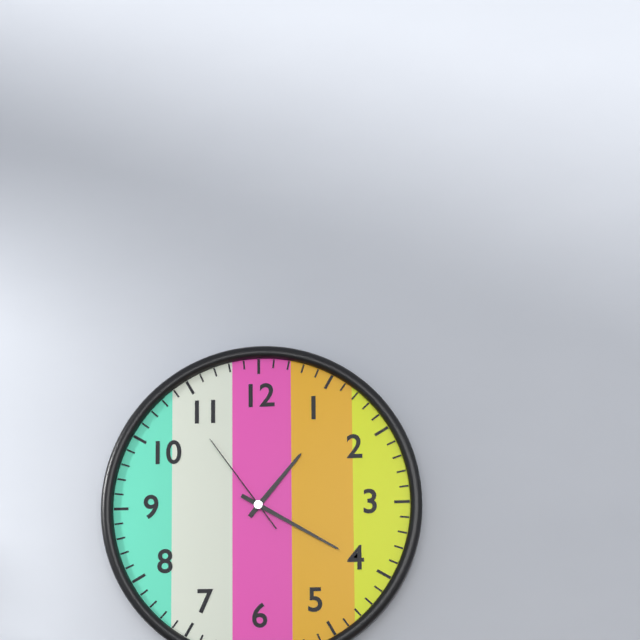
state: 1:20:54
